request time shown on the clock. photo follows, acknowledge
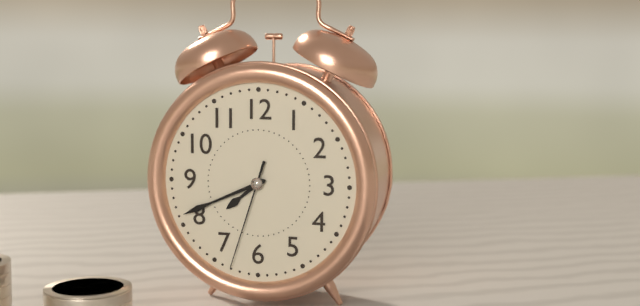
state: 7:41:33
